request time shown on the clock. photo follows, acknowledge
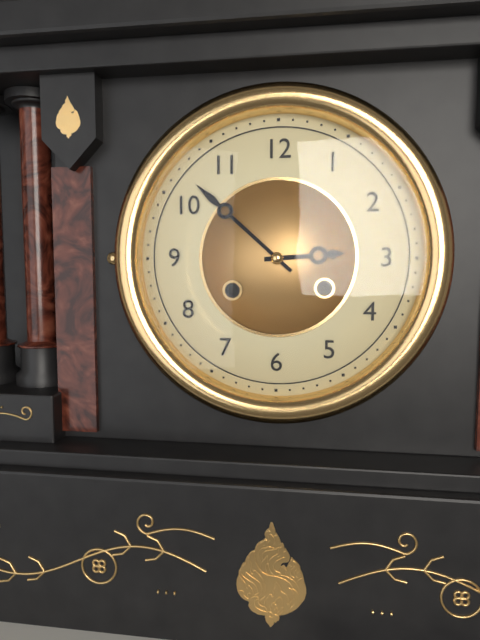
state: 2:52
